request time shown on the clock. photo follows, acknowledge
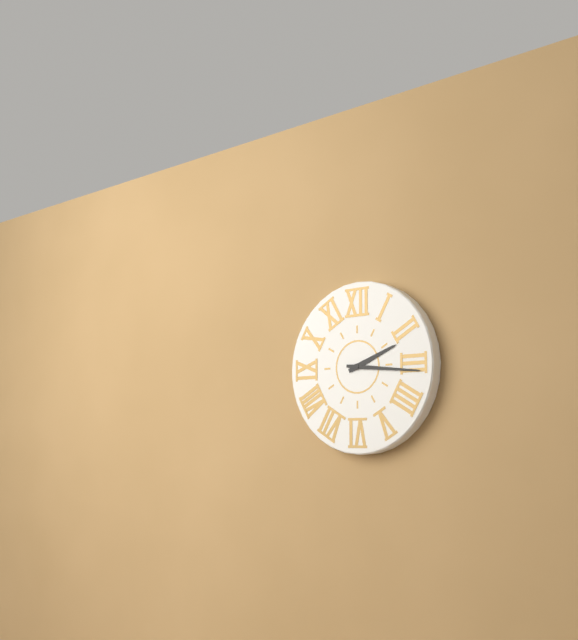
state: 2:16
